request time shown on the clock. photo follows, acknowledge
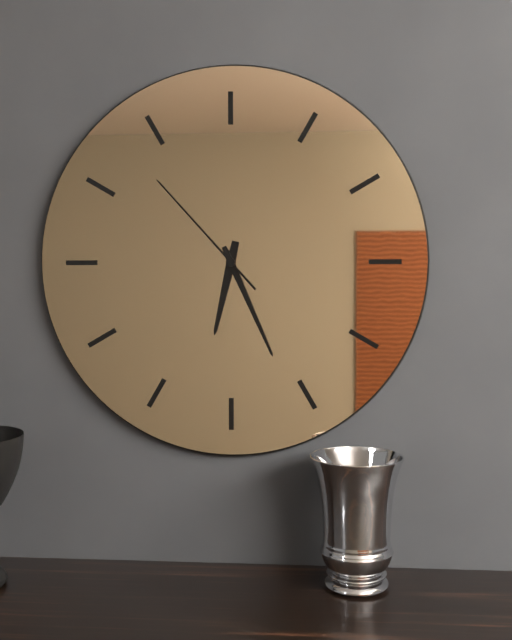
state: 6:26:53
